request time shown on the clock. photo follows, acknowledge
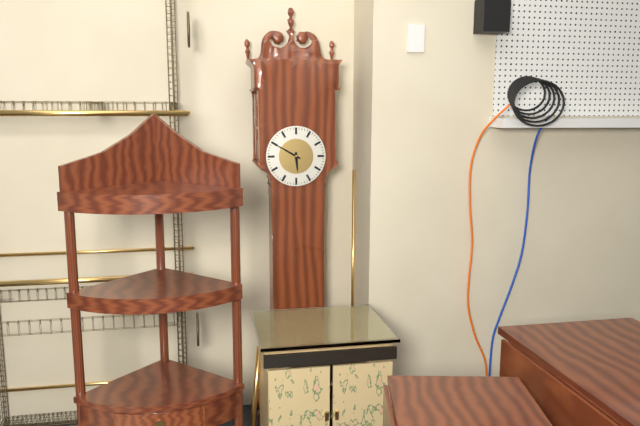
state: 5:50
